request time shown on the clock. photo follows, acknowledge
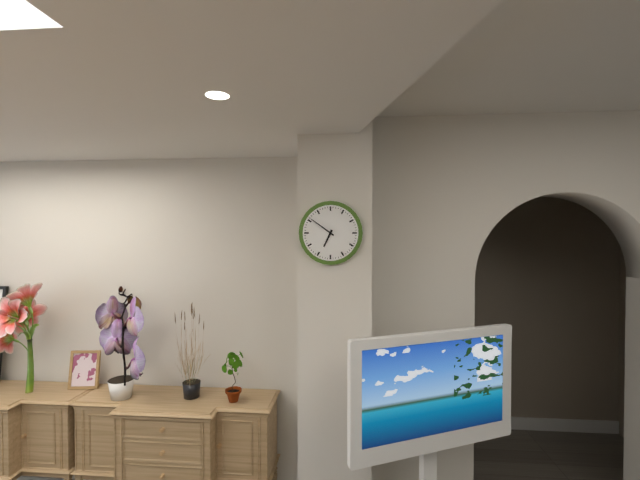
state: 6:51
